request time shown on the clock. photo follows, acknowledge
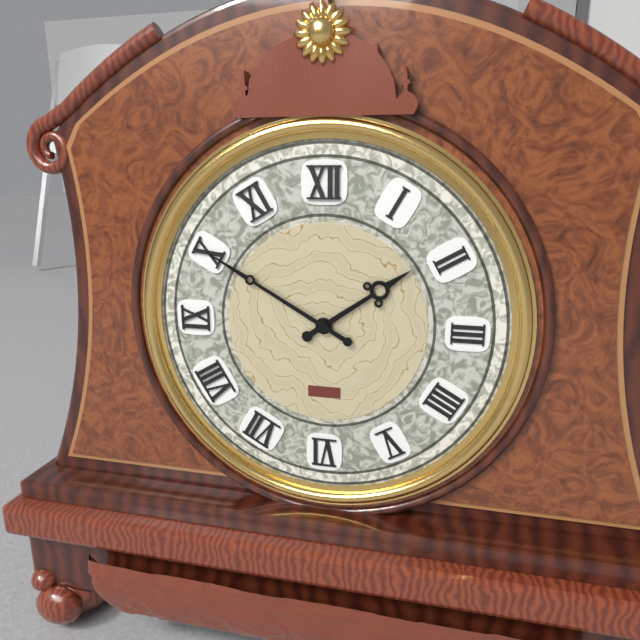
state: 1:50
